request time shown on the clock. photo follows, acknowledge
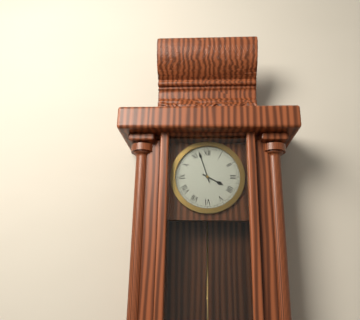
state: 3:57
